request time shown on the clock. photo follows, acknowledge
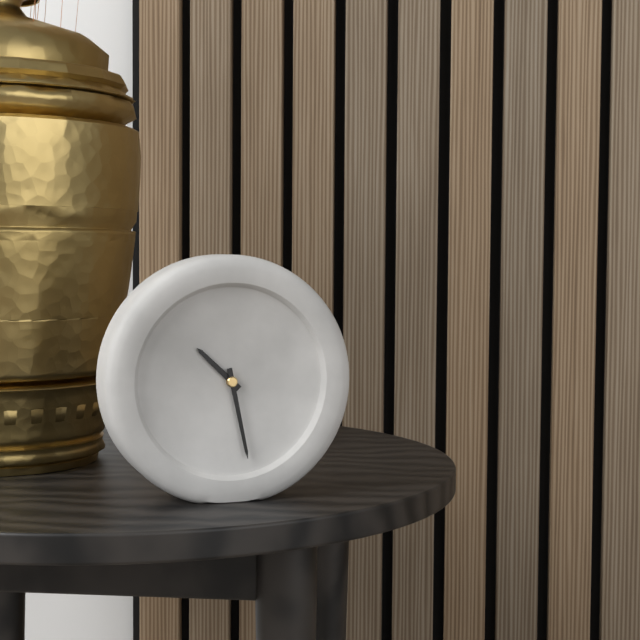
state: 10:28
